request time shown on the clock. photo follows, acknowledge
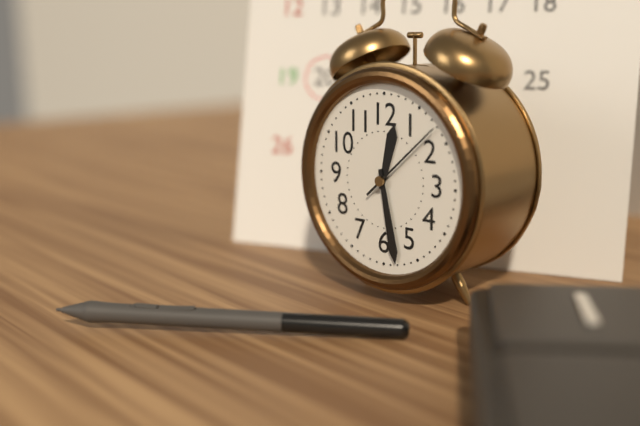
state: 12:28:08
